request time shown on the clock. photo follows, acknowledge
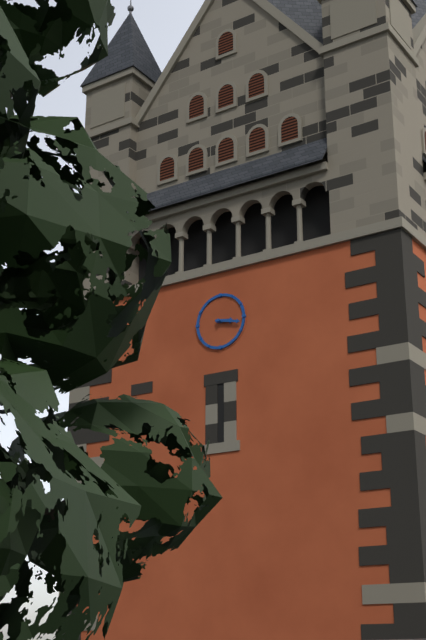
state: 3:17
